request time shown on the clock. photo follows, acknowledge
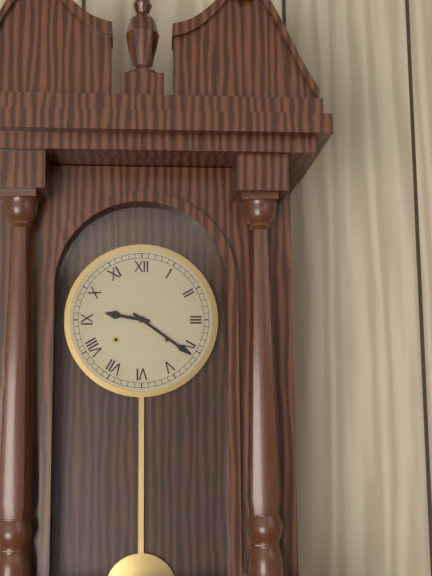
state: 9:21
